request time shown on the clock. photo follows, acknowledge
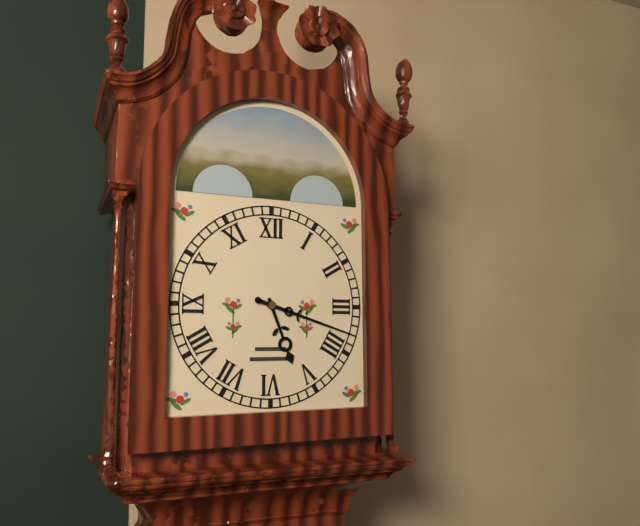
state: 5:18
